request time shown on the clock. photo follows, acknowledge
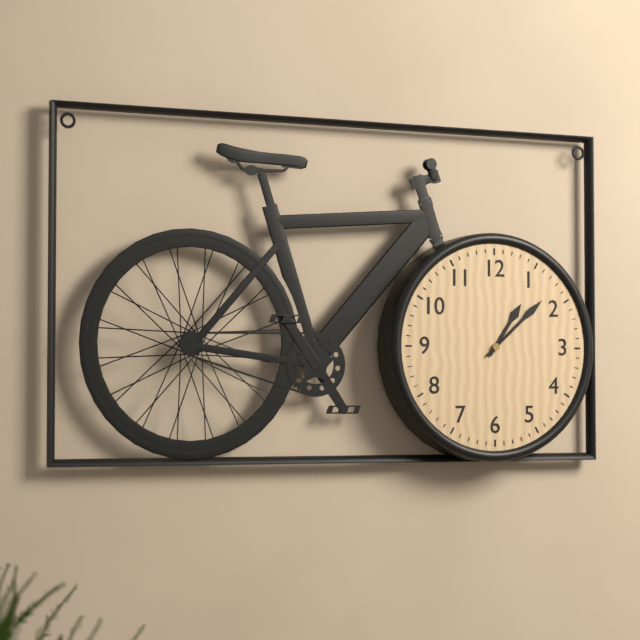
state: 1:08
